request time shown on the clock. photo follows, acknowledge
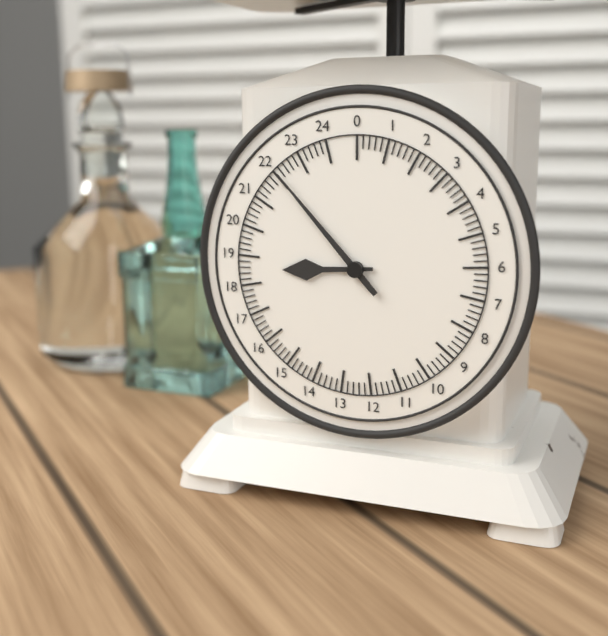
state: 8:53
